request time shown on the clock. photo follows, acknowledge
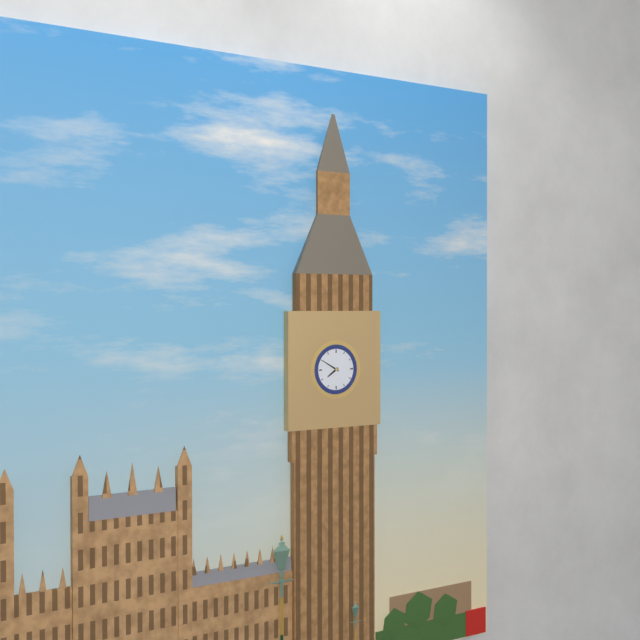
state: 7:50
